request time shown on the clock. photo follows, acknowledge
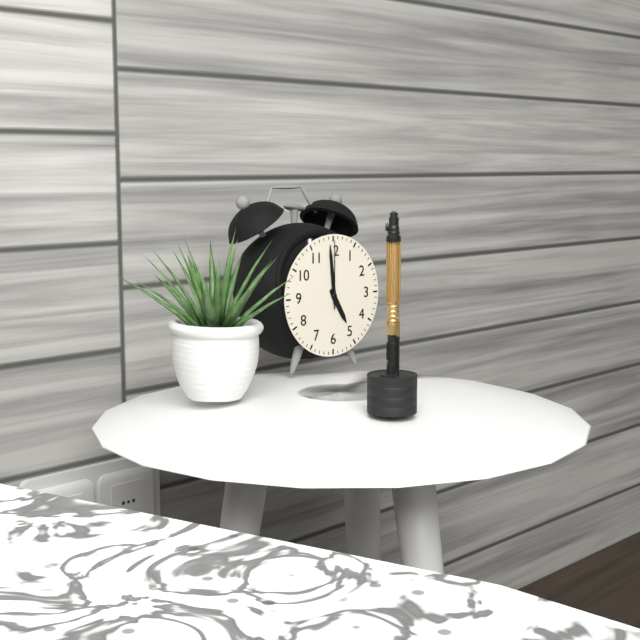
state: 4:59:00
